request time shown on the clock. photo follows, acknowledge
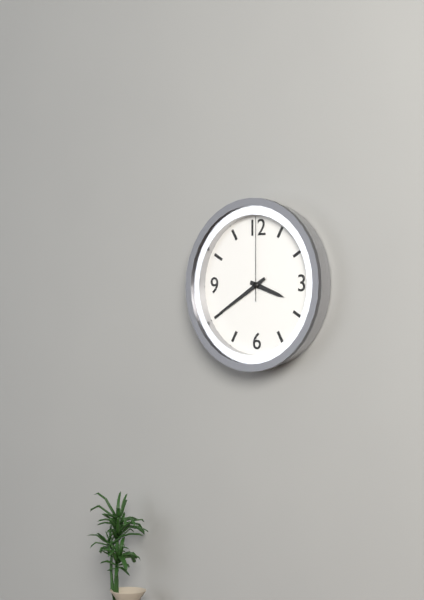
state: 3:40:00
